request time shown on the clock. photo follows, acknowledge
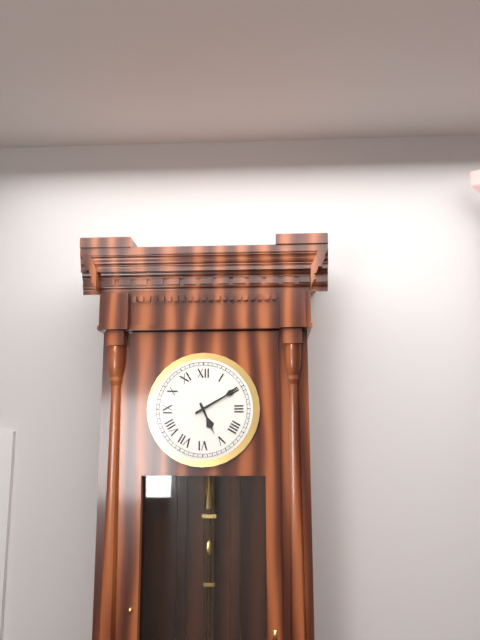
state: 5:10
